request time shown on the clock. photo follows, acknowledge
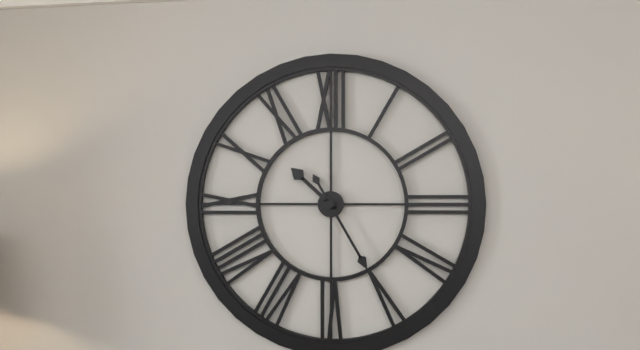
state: 10:25
